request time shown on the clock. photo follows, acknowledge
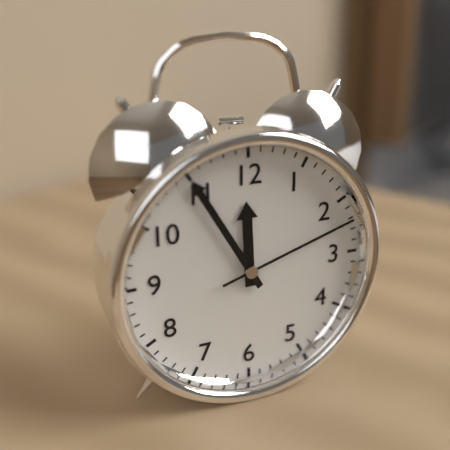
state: 11:55:12
